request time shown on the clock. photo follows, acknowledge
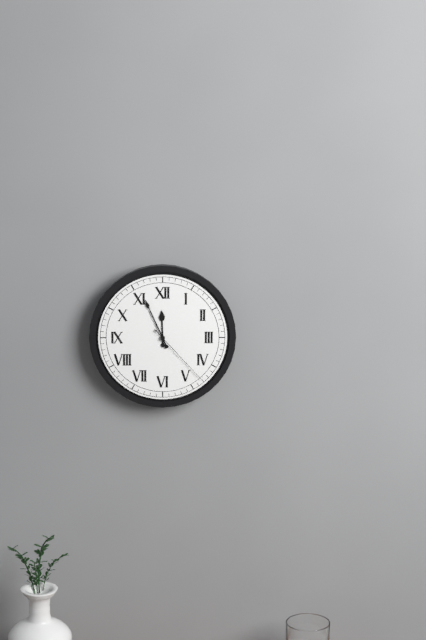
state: 11:56:23
